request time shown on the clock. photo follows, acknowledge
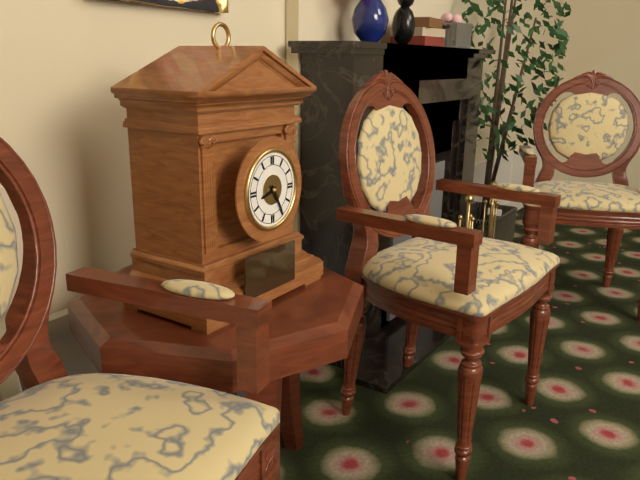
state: 8:25
